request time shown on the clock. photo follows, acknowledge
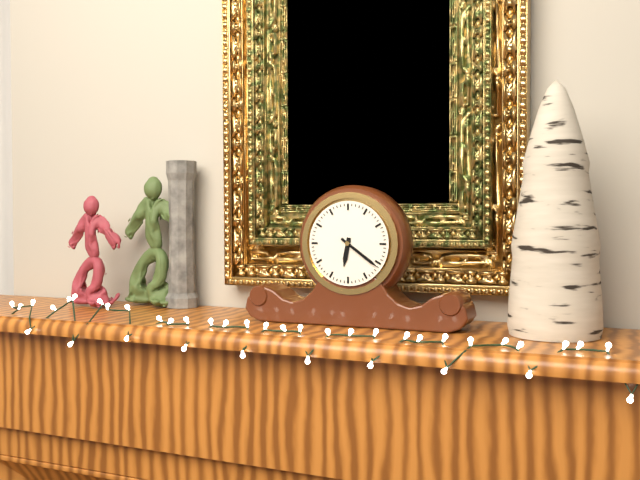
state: 6:21
